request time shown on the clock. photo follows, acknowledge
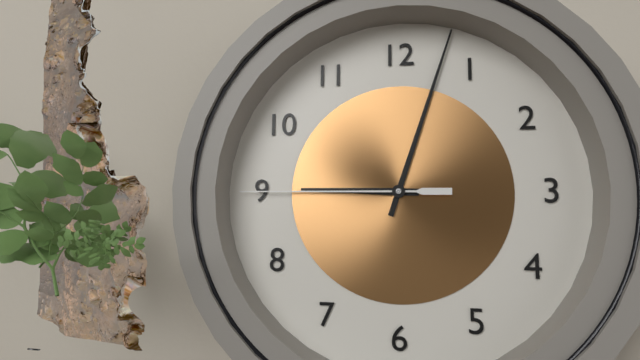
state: 9:03:45
